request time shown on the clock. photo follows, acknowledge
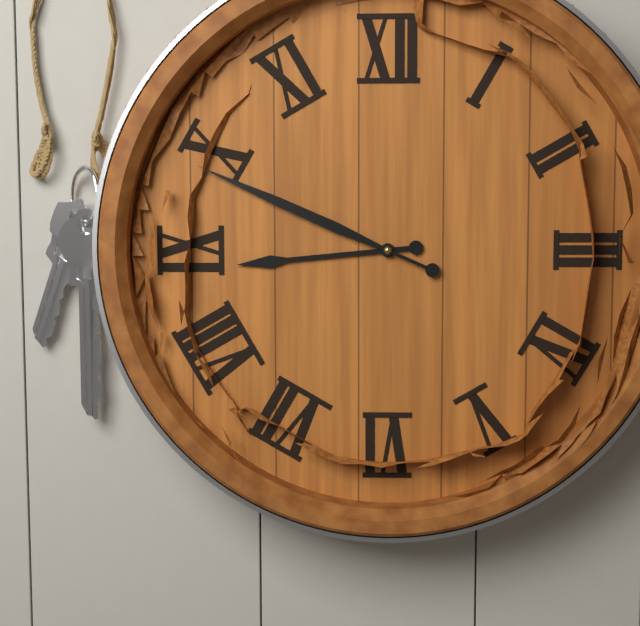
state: 8:49
